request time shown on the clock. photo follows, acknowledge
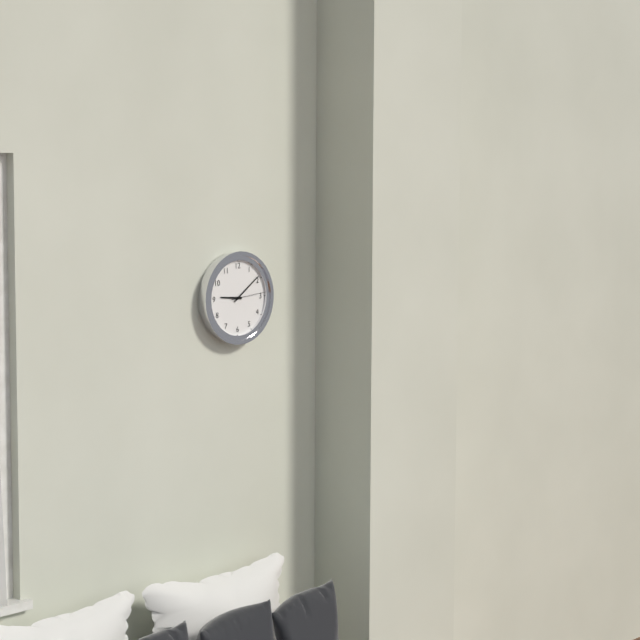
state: 9:09
